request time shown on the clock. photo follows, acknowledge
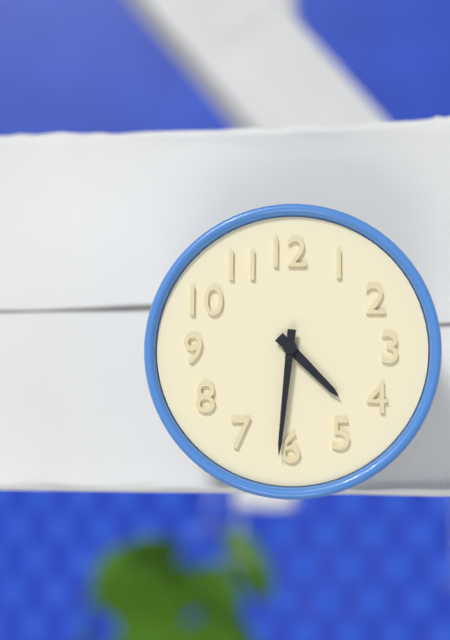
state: 4:31
